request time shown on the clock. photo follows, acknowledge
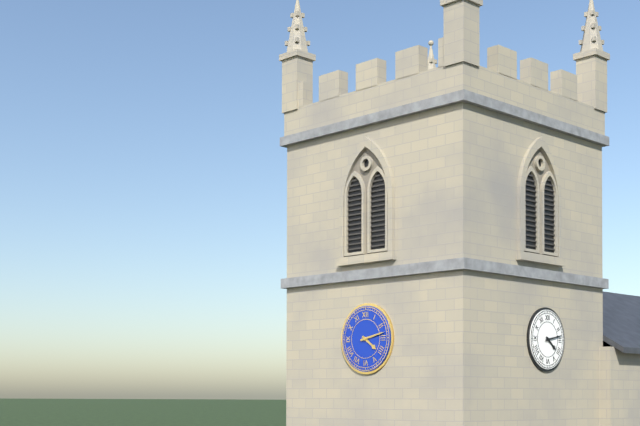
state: 4:13
